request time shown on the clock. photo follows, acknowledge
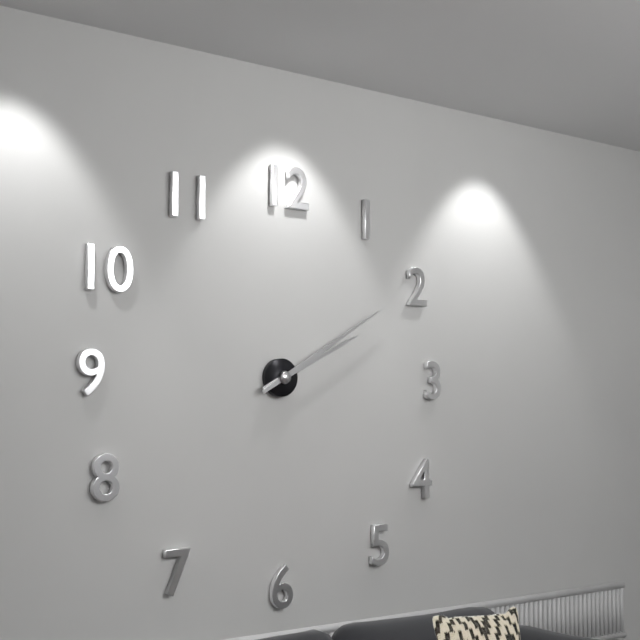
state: 2:10
